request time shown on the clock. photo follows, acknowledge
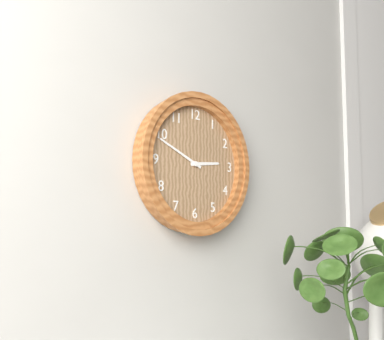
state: 2:49
